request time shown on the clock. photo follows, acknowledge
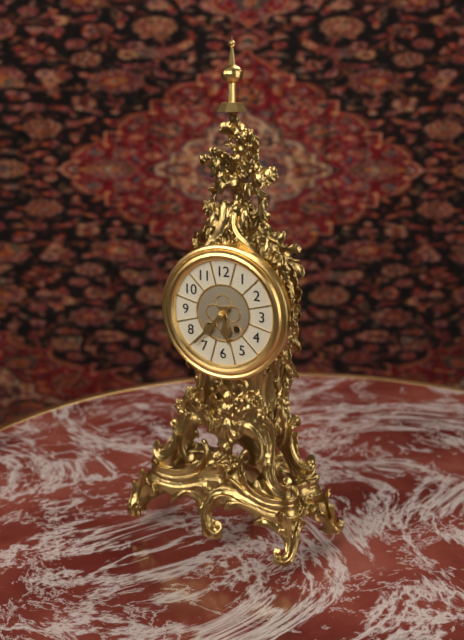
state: 5:37
